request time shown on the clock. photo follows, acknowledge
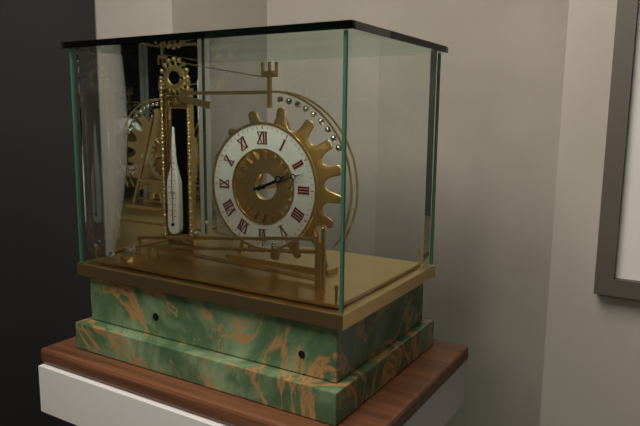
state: 2:12
